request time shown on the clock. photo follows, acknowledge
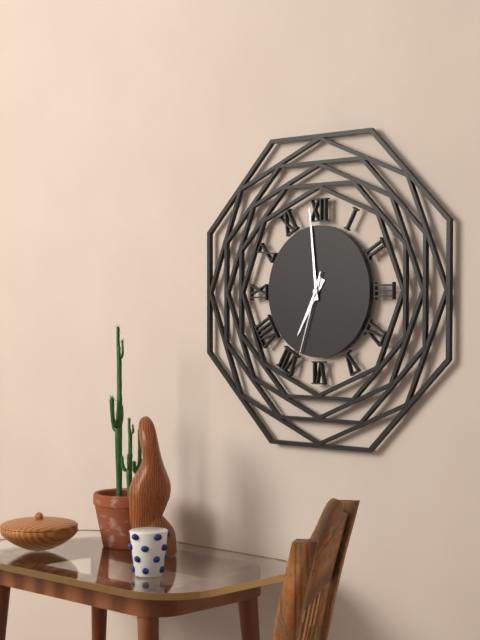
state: 6:59:33
